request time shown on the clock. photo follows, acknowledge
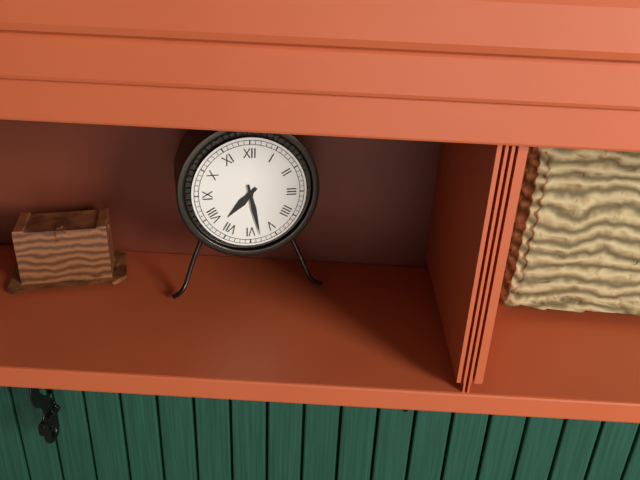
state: 7:28
